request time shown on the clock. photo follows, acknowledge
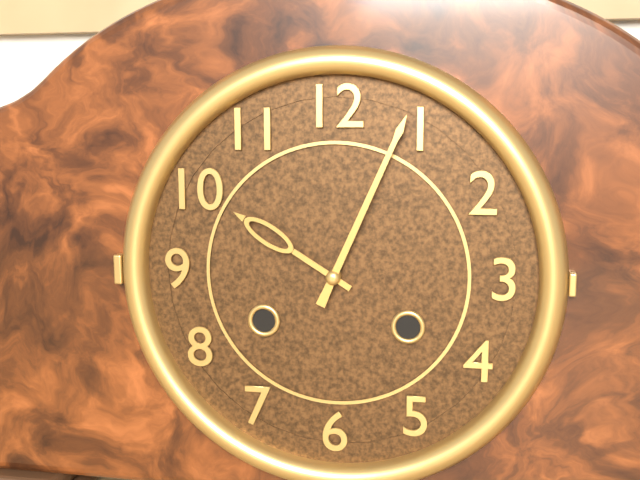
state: 10:04
